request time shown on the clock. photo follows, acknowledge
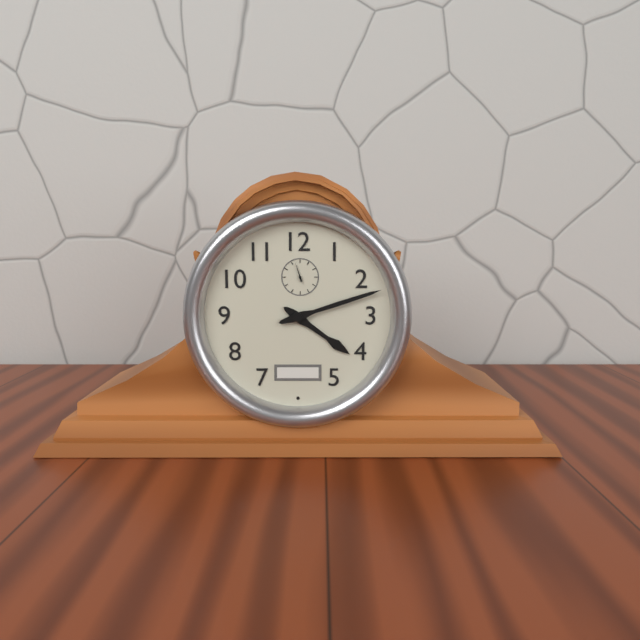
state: 4:12
